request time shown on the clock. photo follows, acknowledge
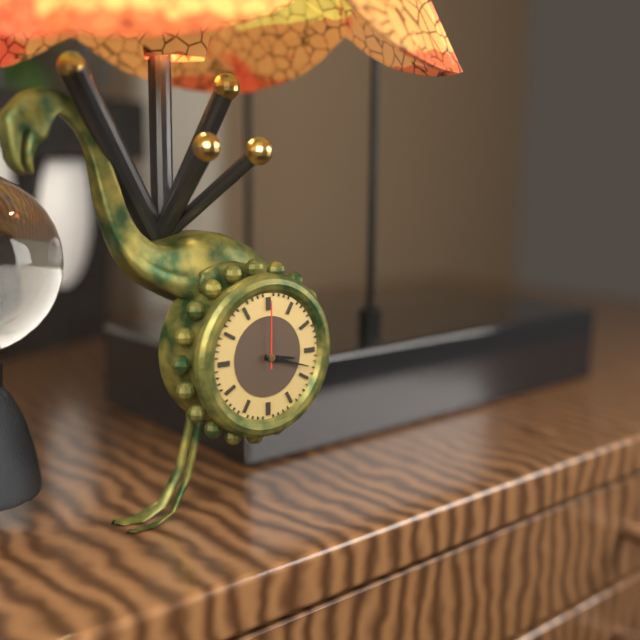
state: 3:18:00
